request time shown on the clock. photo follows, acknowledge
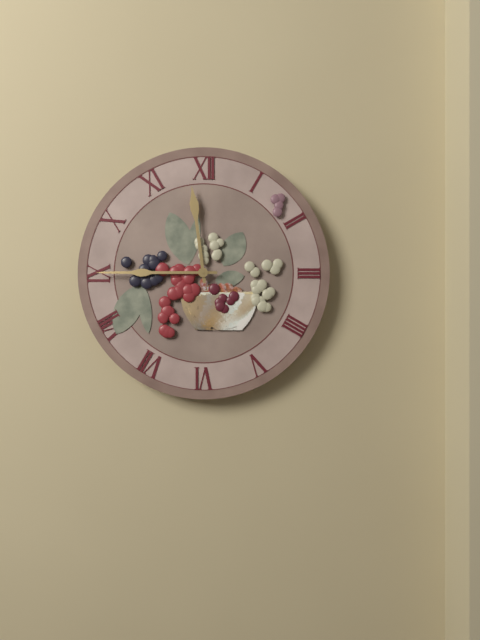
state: 11:45
